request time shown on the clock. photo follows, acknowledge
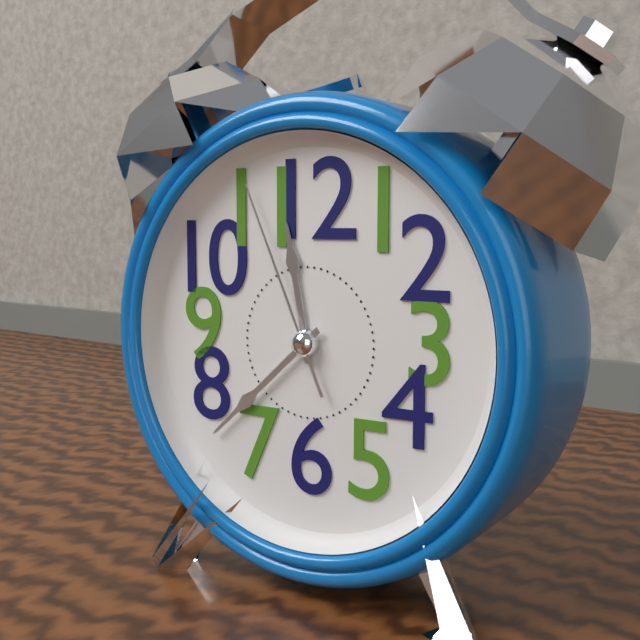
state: 11:38:56
